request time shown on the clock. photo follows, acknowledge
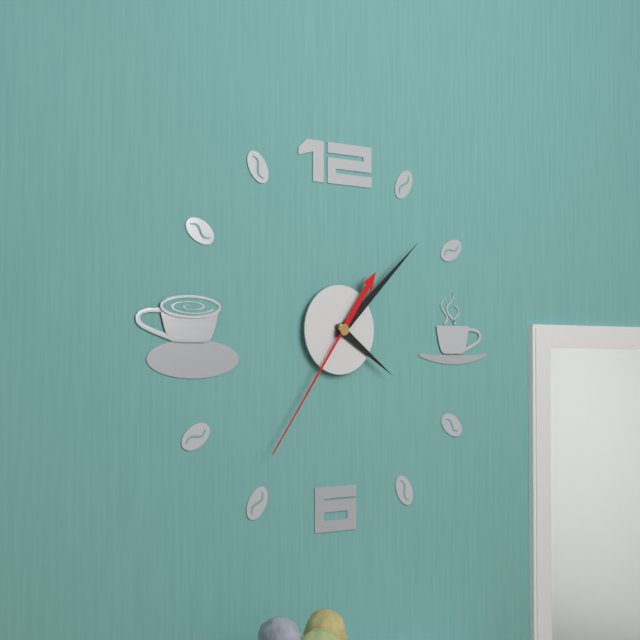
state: 4:08:36
